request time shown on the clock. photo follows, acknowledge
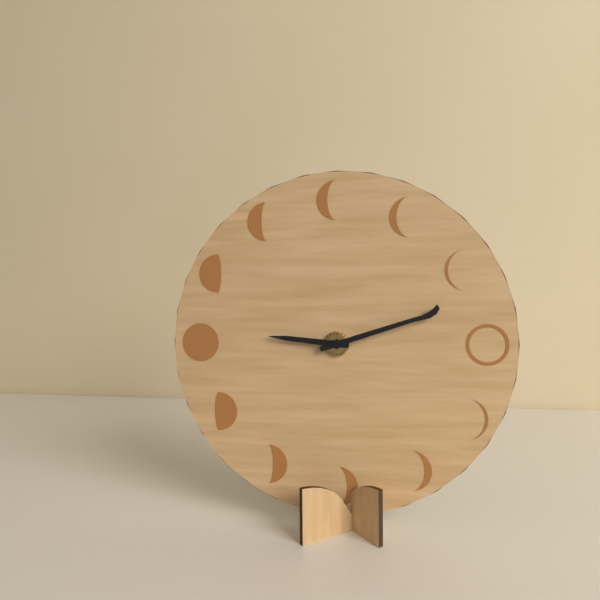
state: 9:12
